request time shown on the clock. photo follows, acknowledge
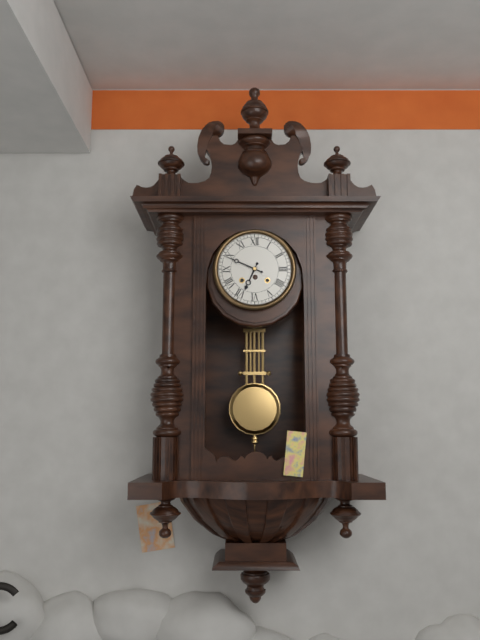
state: 6:49
